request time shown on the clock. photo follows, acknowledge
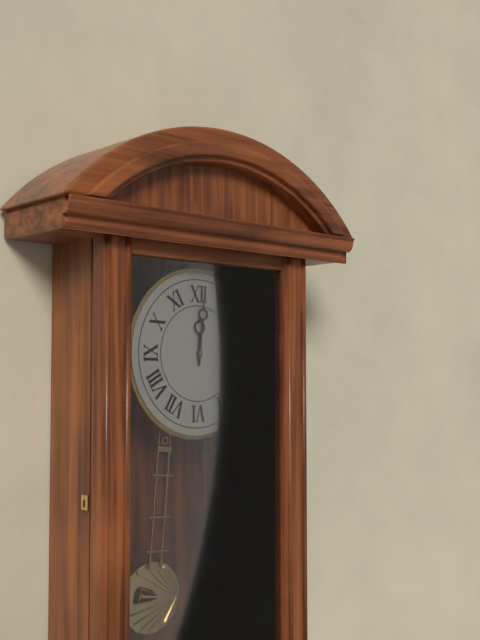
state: 12:01
